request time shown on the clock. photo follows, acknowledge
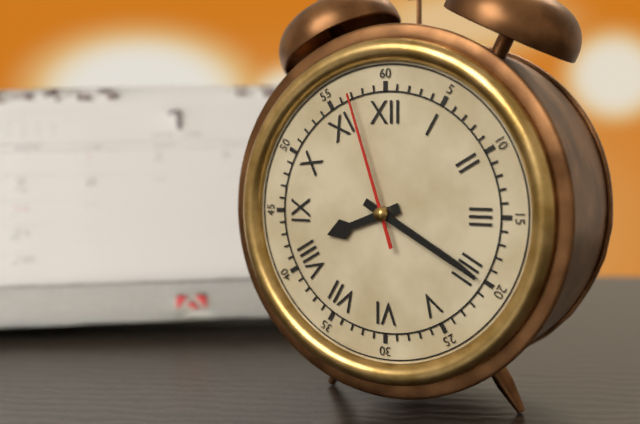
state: 8:20:57
